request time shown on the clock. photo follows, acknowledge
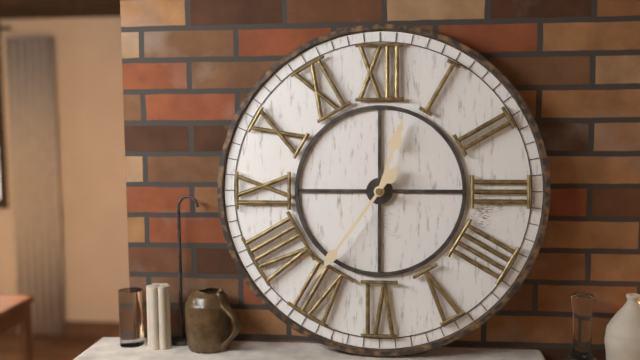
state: 12:36
